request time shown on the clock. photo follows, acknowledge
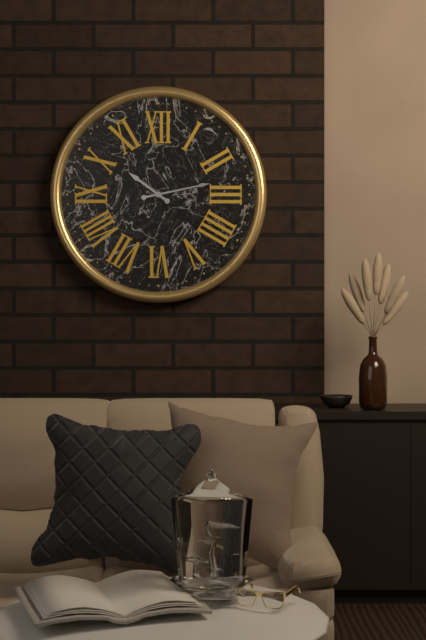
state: 10:13
